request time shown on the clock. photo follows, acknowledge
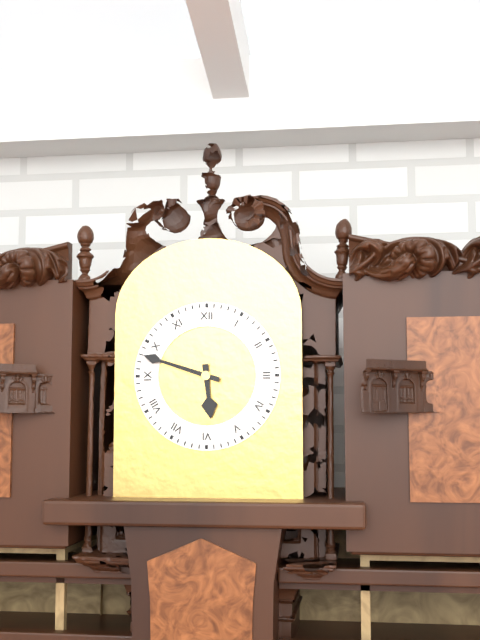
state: 5:48
